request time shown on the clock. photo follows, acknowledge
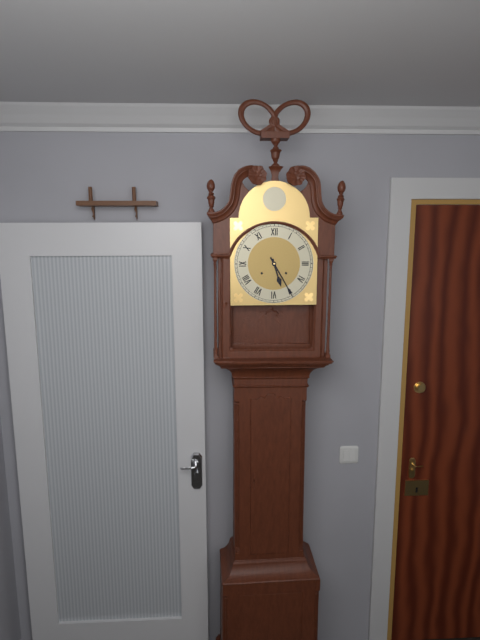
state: 5:25
